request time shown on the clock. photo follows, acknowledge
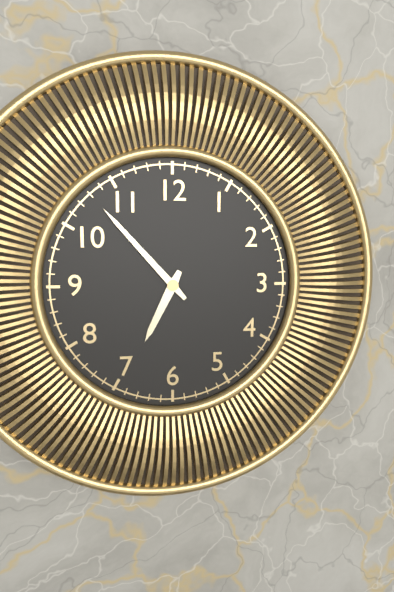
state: 6:53
